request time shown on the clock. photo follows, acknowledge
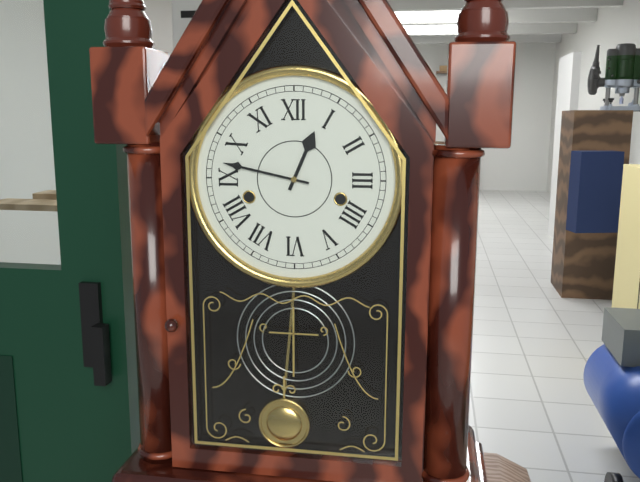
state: 12:47
